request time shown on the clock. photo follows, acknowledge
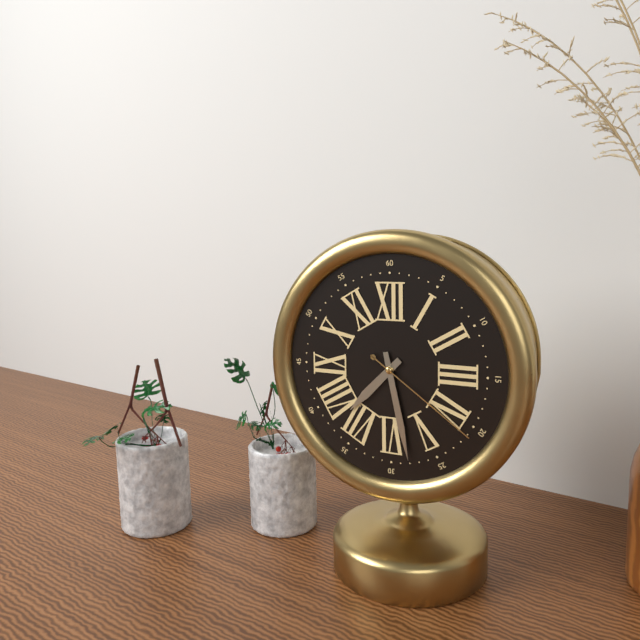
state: 7:28:21
